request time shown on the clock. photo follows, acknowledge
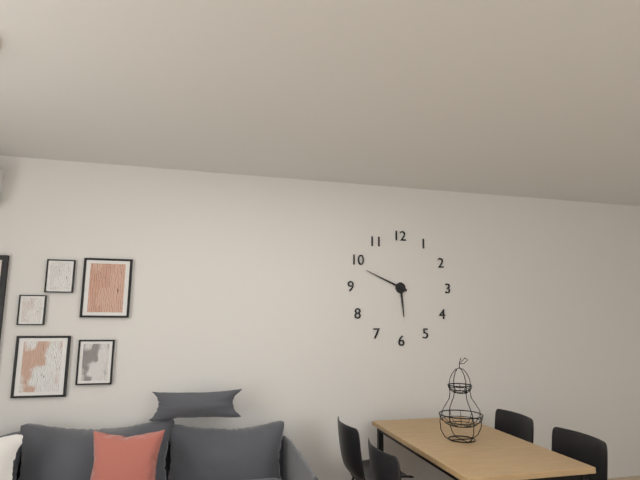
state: 5:49
